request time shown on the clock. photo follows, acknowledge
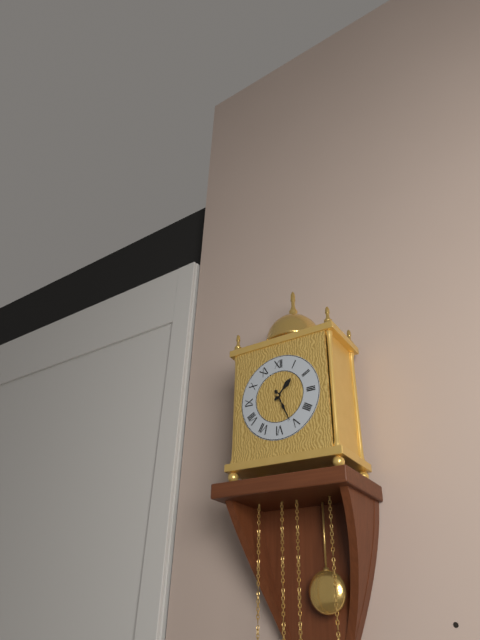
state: 1:26
